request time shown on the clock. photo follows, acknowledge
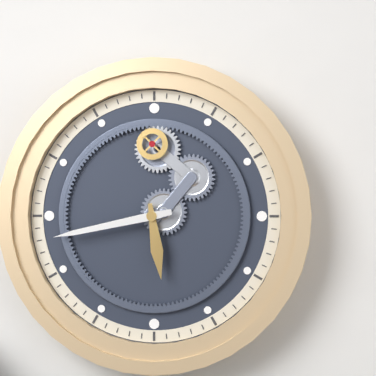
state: 5:43
